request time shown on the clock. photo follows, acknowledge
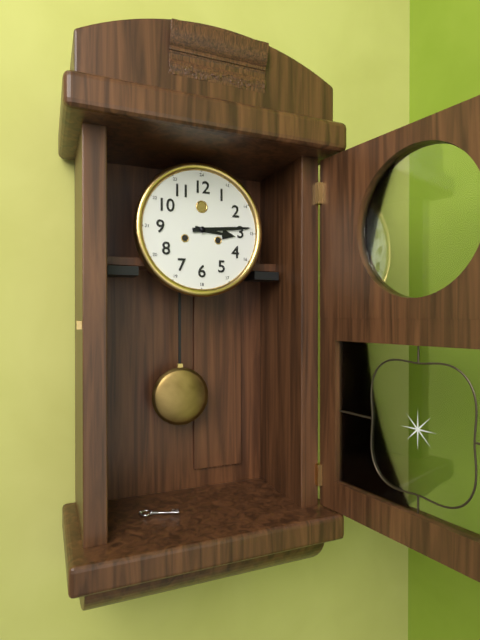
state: 3:14
